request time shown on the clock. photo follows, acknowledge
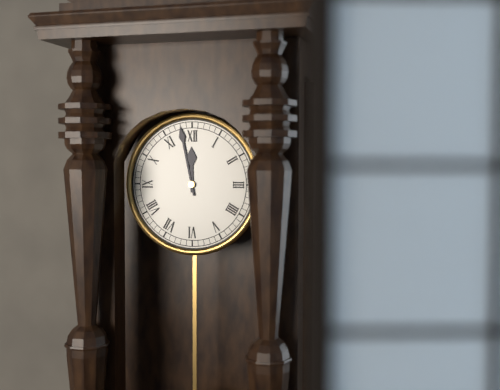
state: 11:58
